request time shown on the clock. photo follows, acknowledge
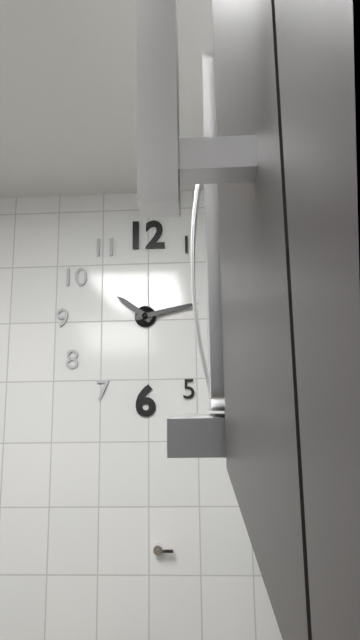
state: 10:13
